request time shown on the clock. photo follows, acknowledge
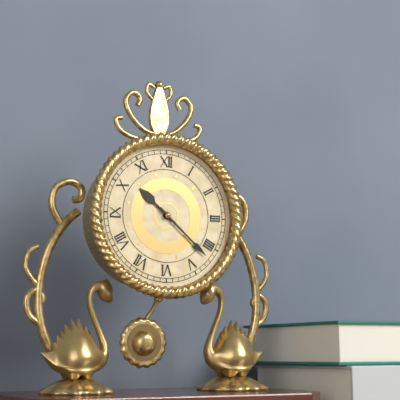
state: 10:22
